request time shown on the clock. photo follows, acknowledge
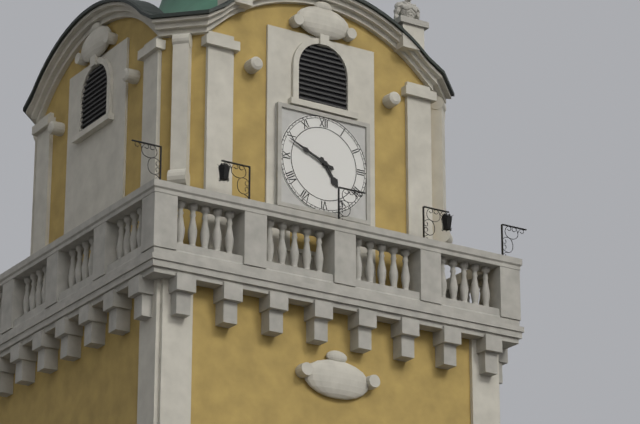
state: 4:49
